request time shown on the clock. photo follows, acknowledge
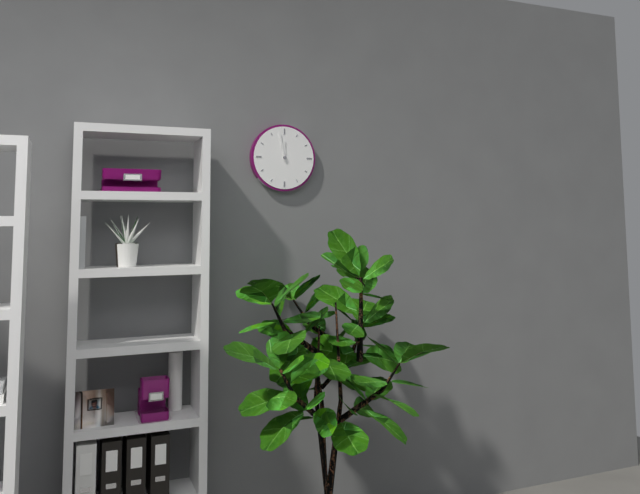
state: 11:58
